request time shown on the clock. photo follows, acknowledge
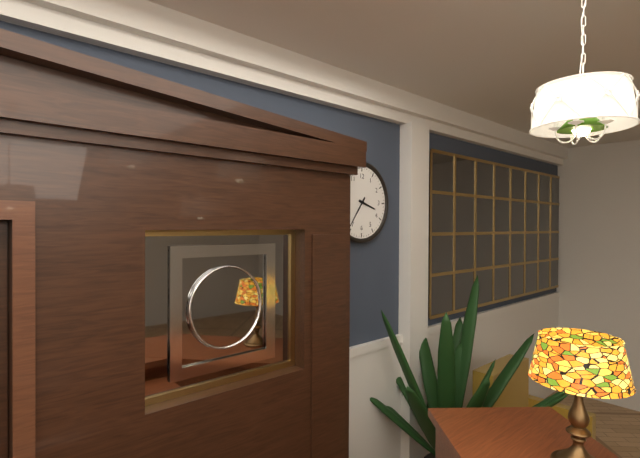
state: 3:36
